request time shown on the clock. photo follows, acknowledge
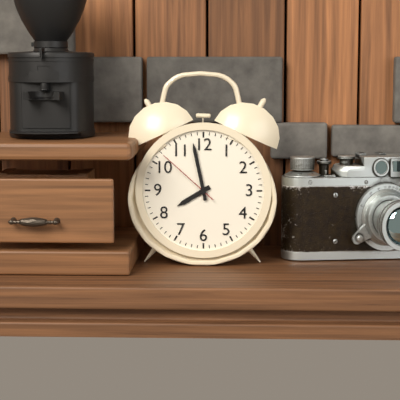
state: 7:58:52
